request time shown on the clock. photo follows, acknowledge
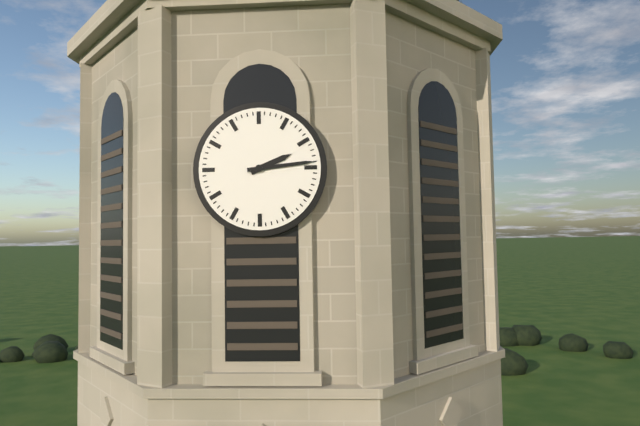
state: 2:14
